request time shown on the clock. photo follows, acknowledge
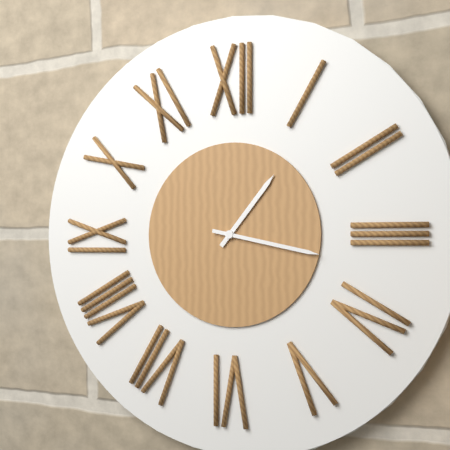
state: 1:17
